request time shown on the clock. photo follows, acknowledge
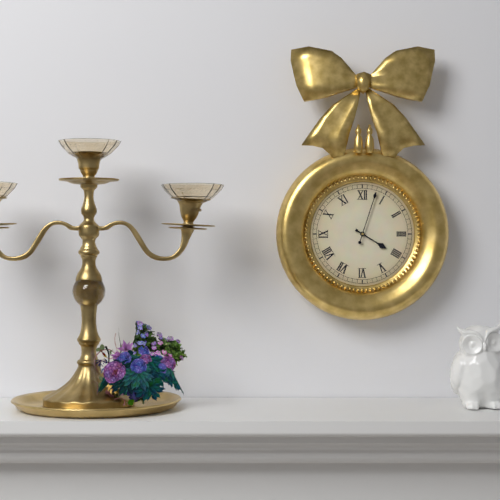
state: 4:03
